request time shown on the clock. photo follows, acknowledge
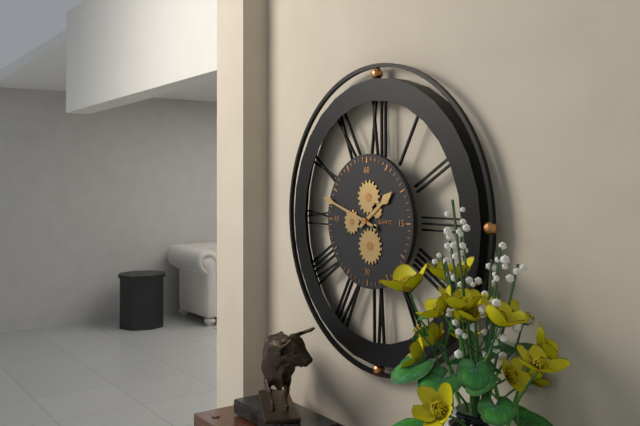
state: 1:48
